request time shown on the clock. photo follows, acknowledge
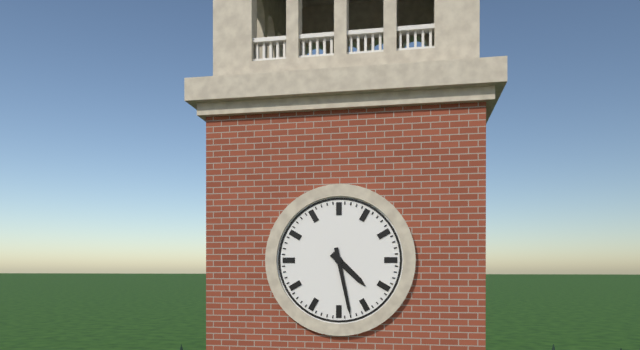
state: 4:28
